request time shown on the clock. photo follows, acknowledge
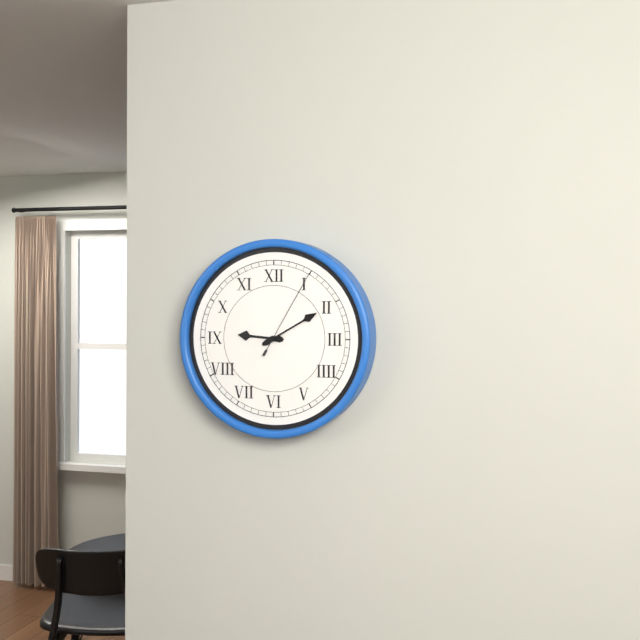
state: 9:10:05
